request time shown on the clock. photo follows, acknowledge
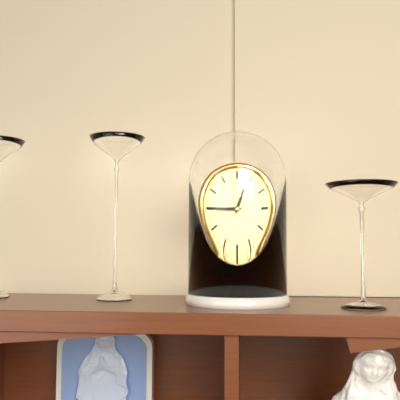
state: 12:45
